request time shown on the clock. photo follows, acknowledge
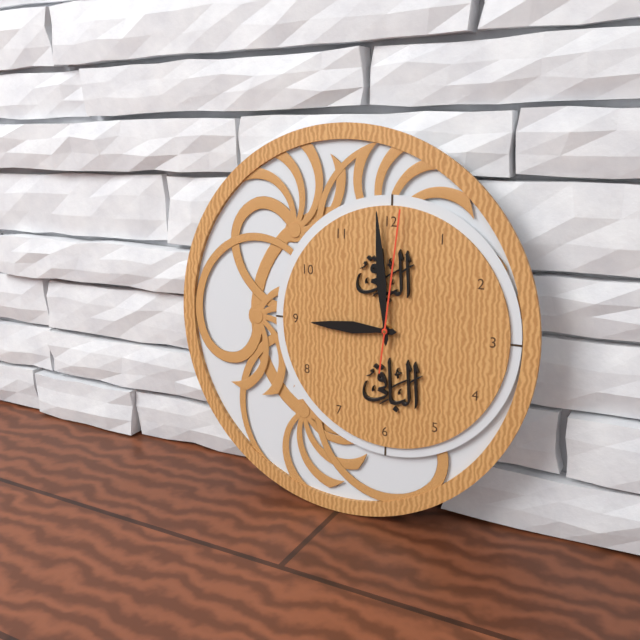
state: 8:59:01
